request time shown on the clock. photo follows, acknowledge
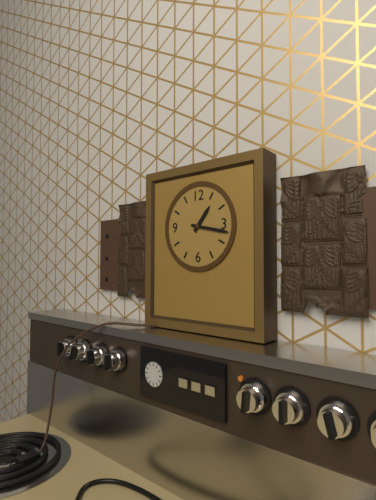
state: 1:17
